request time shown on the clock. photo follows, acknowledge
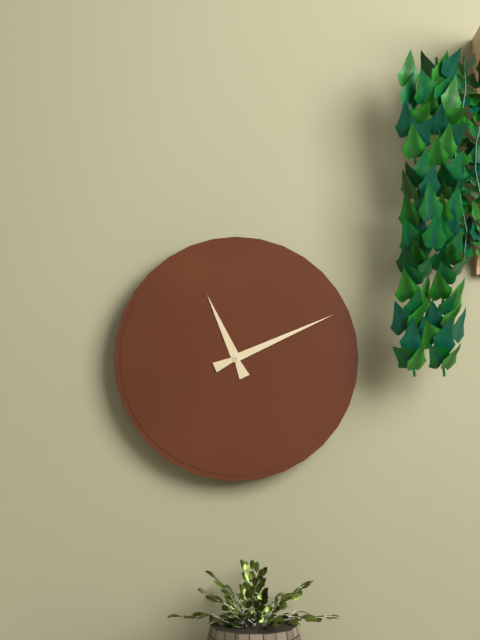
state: 11:11
